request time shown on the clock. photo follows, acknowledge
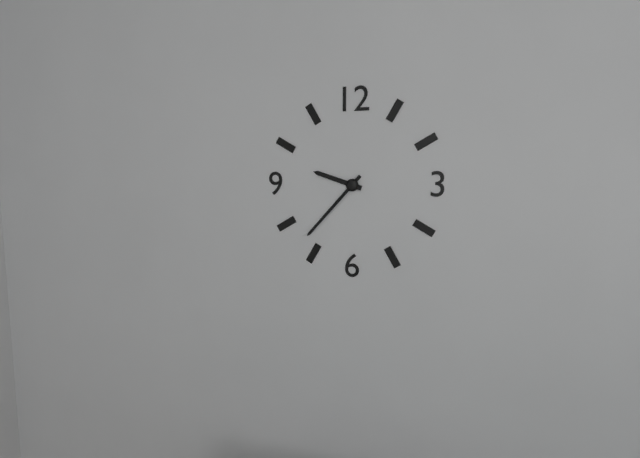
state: 9:37
